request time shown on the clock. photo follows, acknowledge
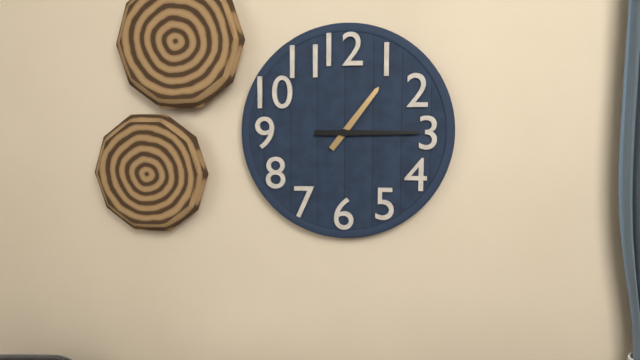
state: 1:15
